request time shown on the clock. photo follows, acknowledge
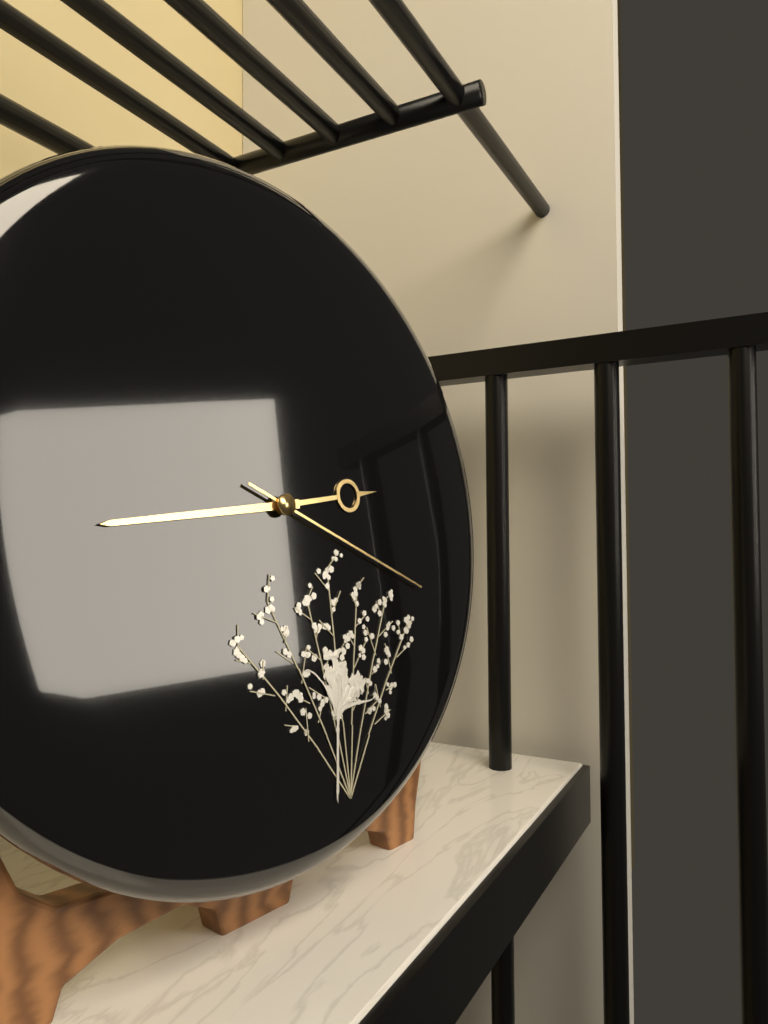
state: 2:44:19
